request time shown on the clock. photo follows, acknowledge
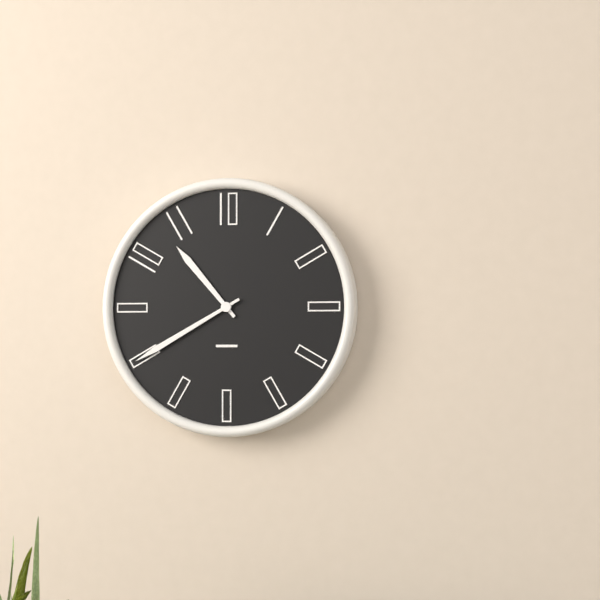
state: 10:40
